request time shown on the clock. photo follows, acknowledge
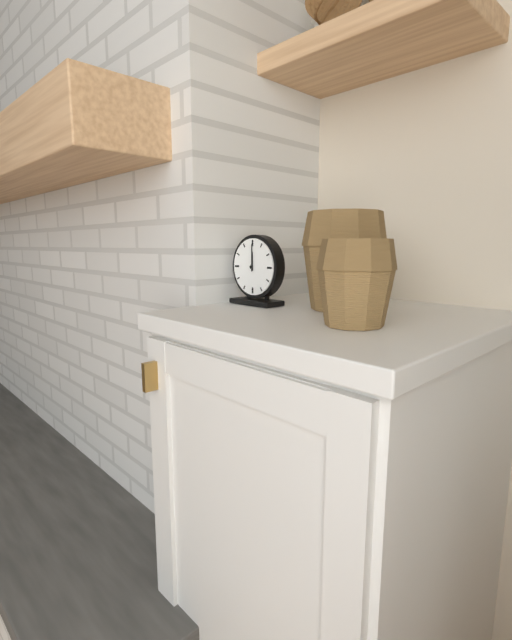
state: 12:00
